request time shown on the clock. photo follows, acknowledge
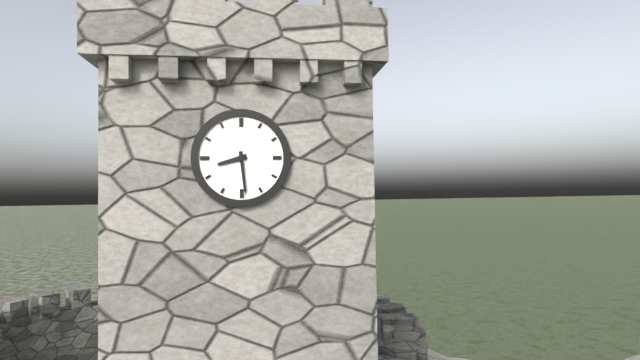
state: 8:29
